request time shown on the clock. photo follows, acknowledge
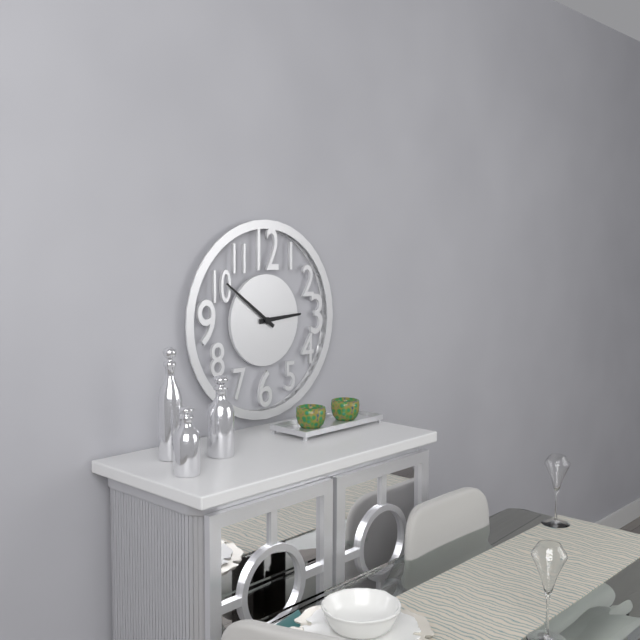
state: 2:51
